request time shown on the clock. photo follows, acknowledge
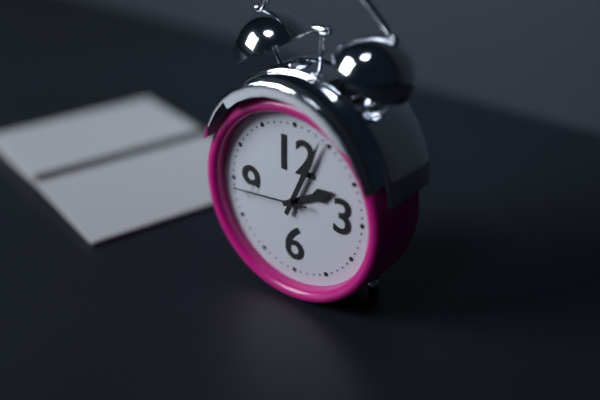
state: 2:04:44
